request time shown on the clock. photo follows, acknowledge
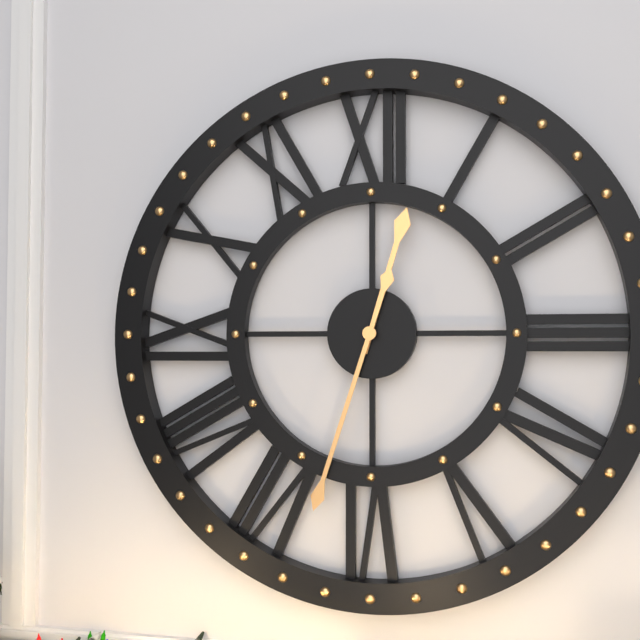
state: 12:33
